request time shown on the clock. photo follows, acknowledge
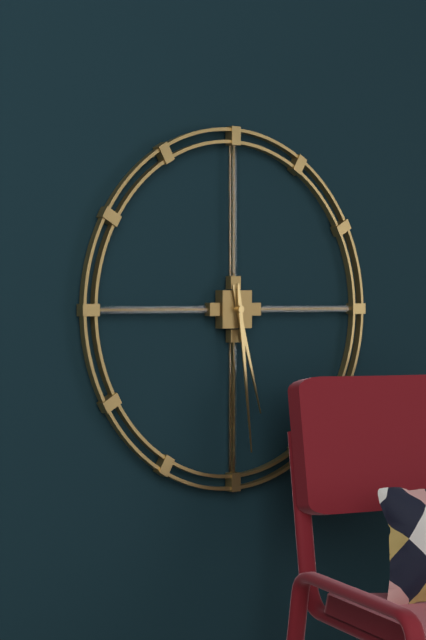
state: 5:29
